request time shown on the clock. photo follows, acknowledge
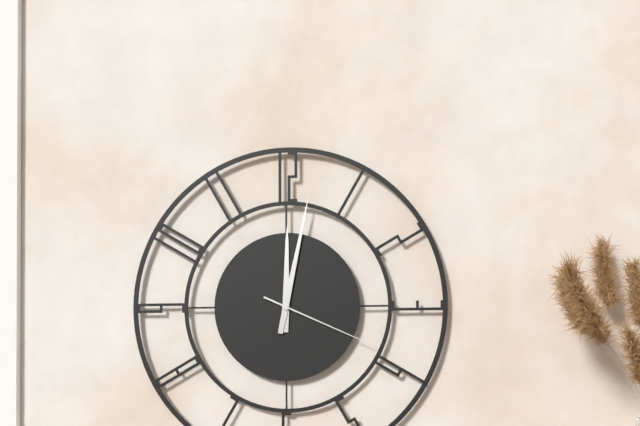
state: 12:02:19
